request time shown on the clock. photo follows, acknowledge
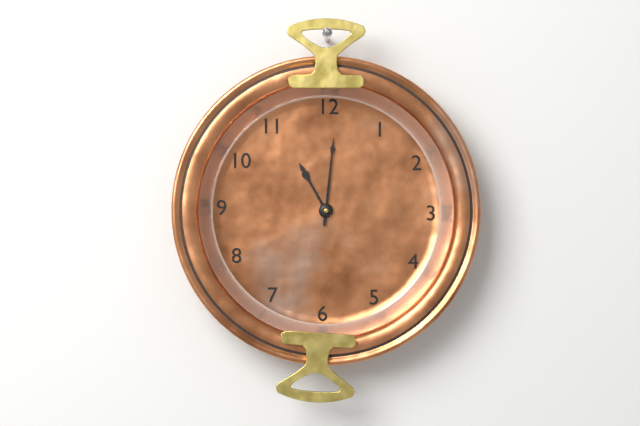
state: 11:01
